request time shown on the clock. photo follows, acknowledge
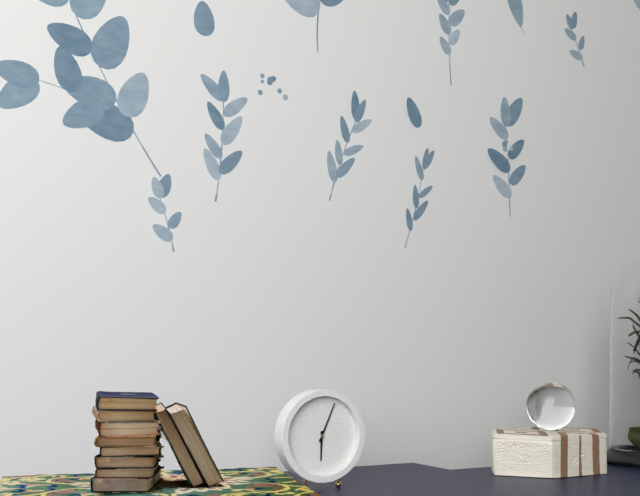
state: 6:04
